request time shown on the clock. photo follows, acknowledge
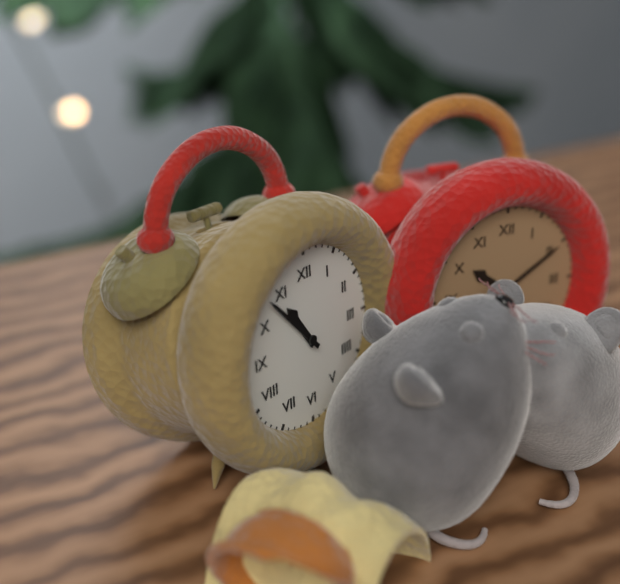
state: 10:53
